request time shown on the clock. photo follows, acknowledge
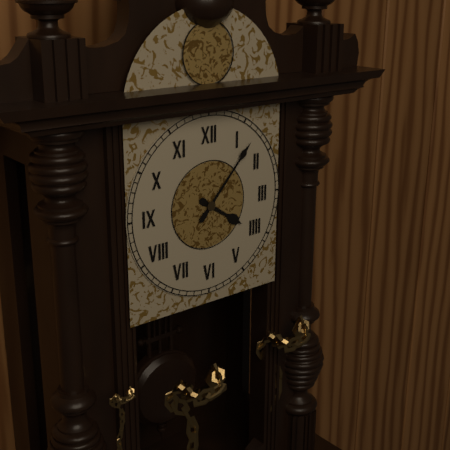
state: 4:07
